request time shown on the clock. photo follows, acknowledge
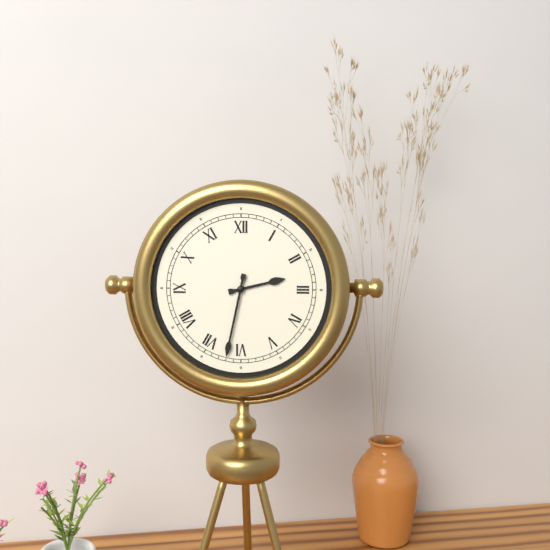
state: 2:32
